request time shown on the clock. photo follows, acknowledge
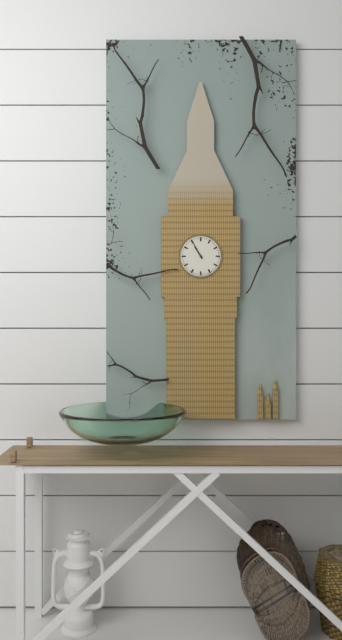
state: 10:55
